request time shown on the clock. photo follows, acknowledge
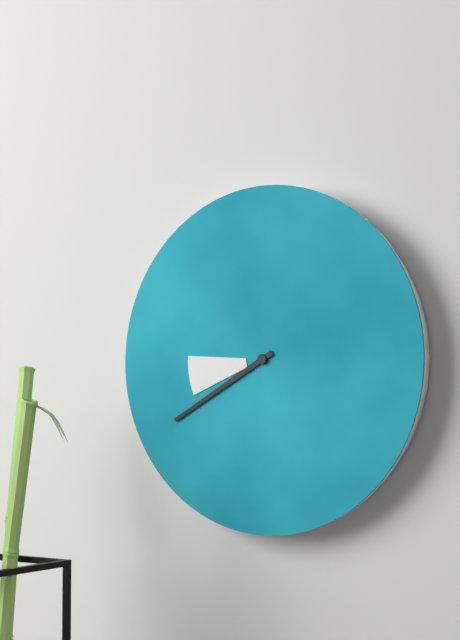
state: 8:40
